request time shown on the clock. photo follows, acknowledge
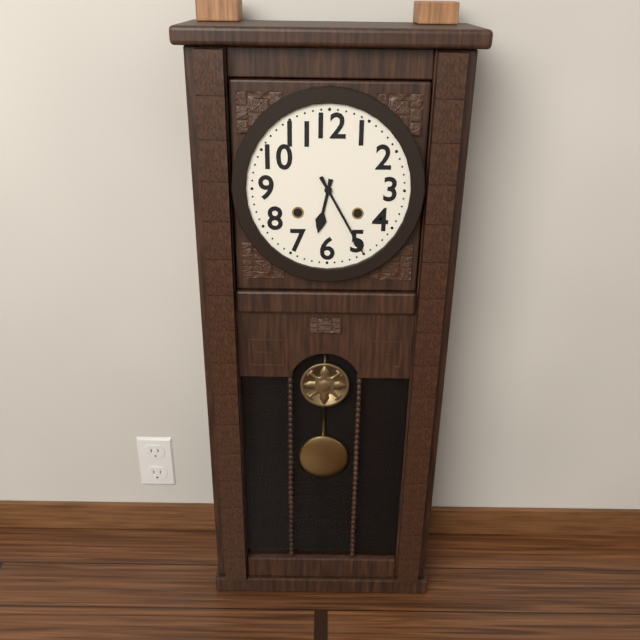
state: 6:25
